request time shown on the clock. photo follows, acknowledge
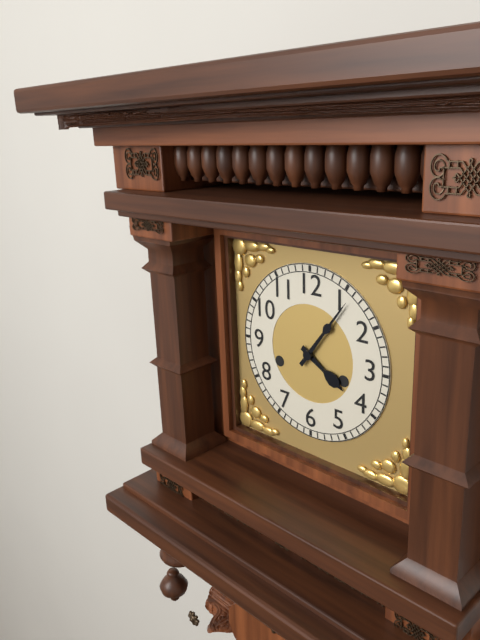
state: 4:06
